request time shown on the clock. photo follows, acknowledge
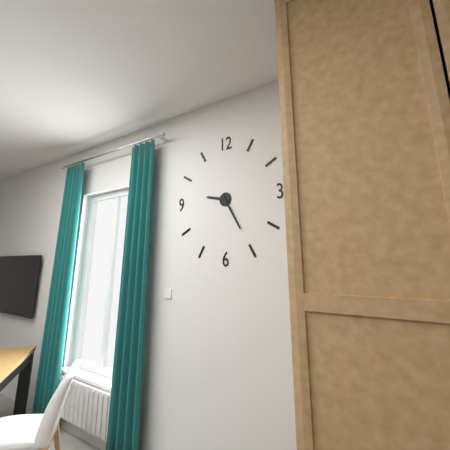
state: 9:25
